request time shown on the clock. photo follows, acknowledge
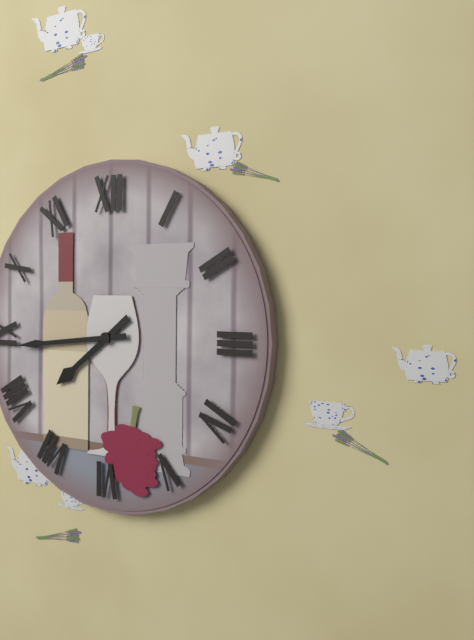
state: 7:44
